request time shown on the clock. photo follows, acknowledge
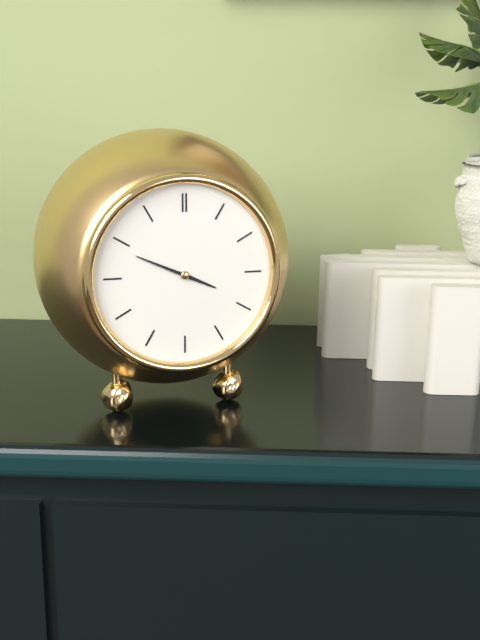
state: 3:49
